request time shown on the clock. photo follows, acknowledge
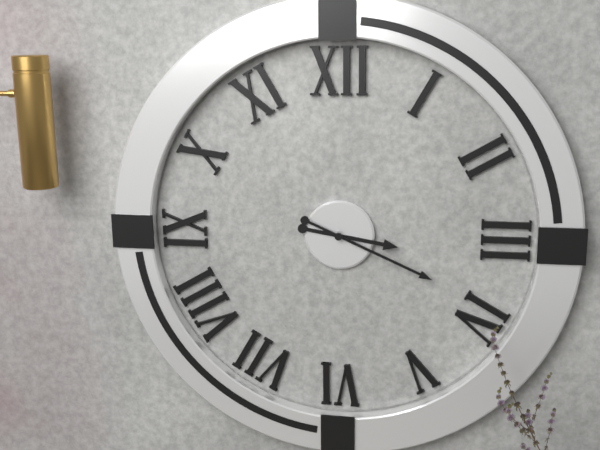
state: 3:19
